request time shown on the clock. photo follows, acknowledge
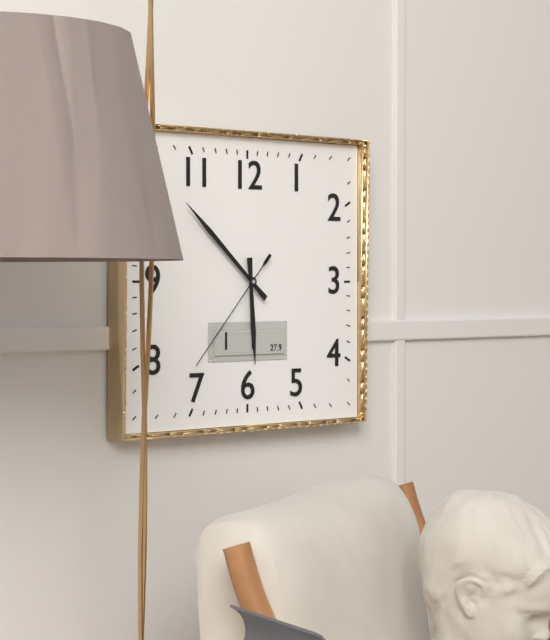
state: 5:52:37
